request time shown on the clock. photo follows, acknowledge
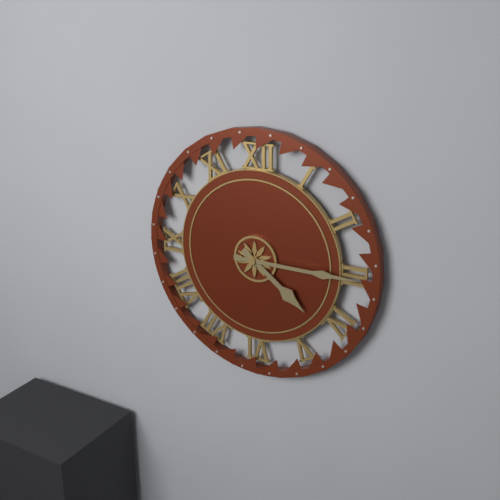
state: 4:15
